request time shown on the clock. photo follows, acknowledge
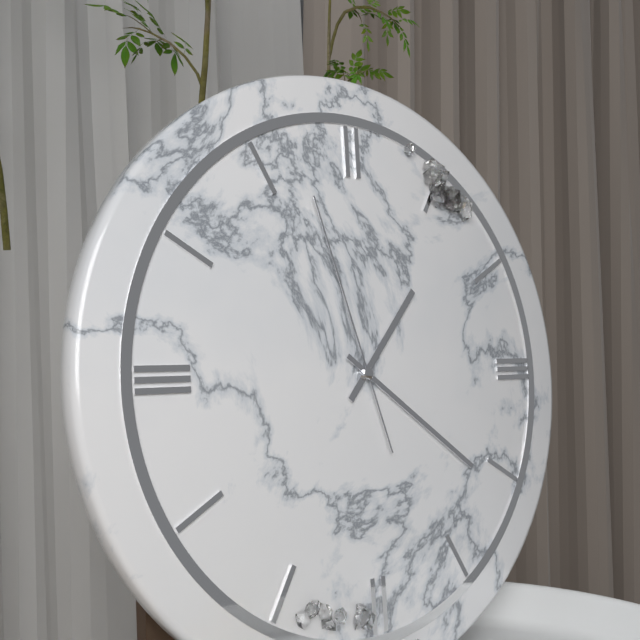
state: 1:21:57
